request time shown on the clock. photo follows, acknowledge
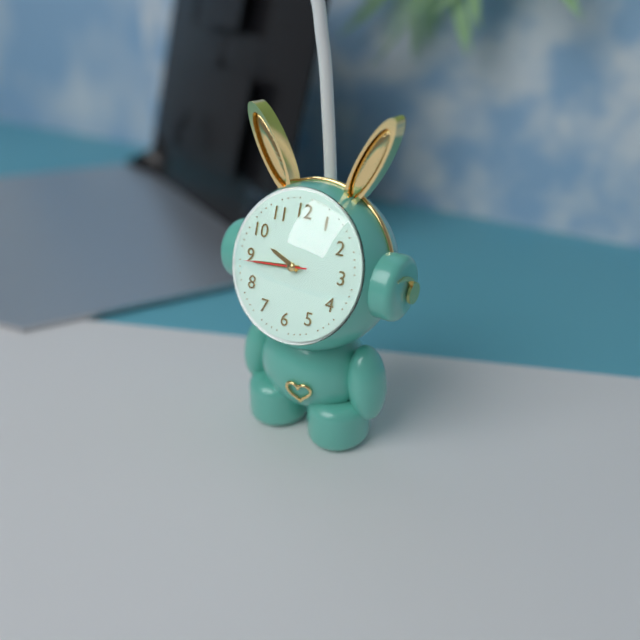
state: 9:44:44
